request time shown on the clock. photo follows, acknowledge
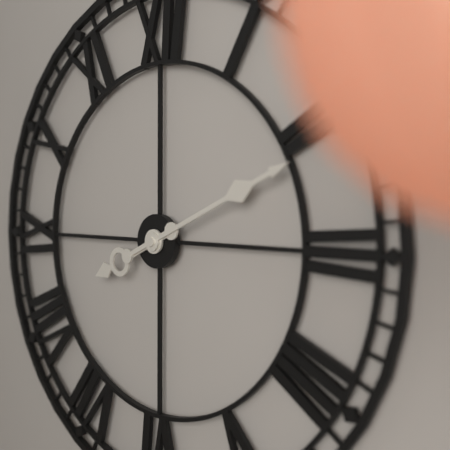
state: 8:11
